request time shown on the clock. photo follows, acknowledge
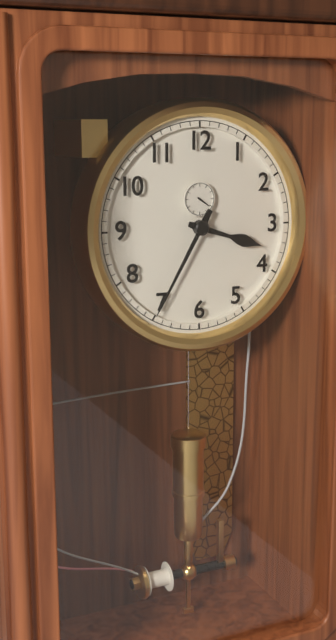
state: 3:35
